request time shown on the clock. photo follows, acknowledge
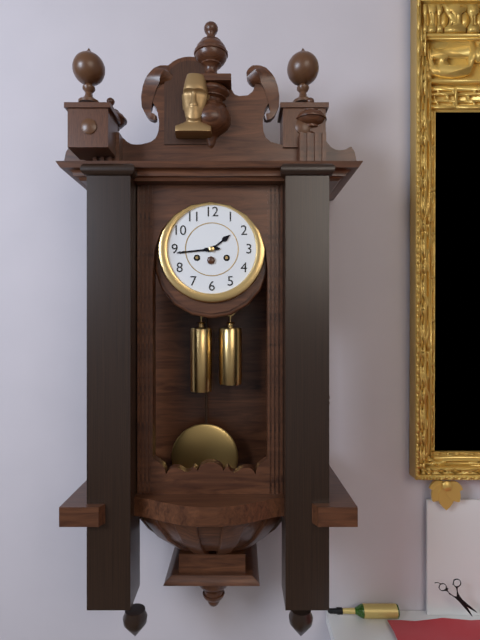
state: 1:44
